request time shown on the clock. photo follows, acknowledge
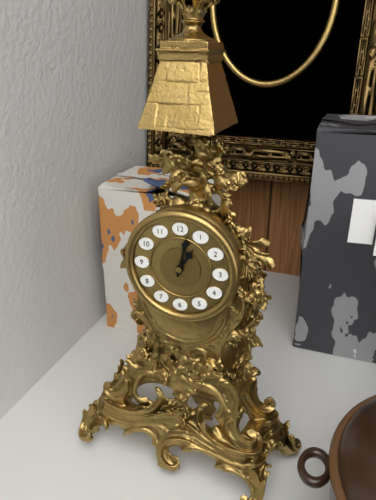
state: 1:02
